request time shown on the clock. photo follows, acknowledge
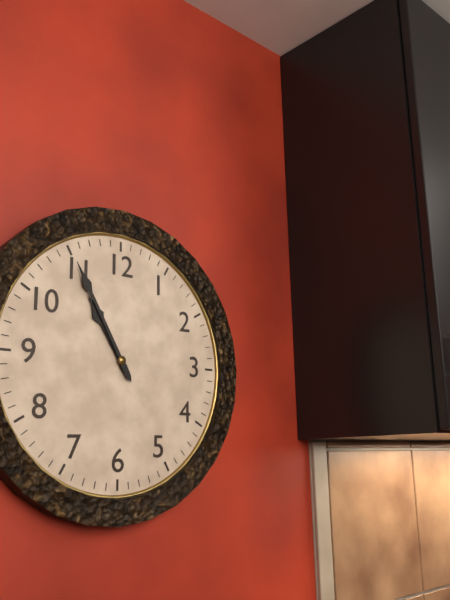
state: 10:55
